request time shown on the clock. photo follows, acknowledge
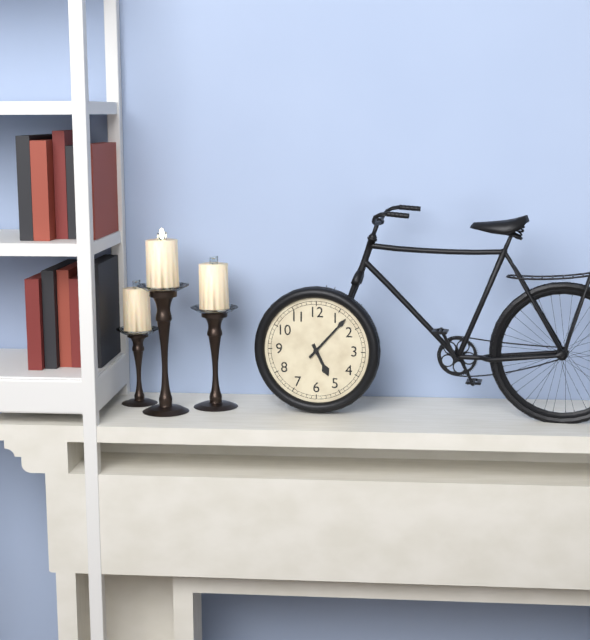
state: 5:07
